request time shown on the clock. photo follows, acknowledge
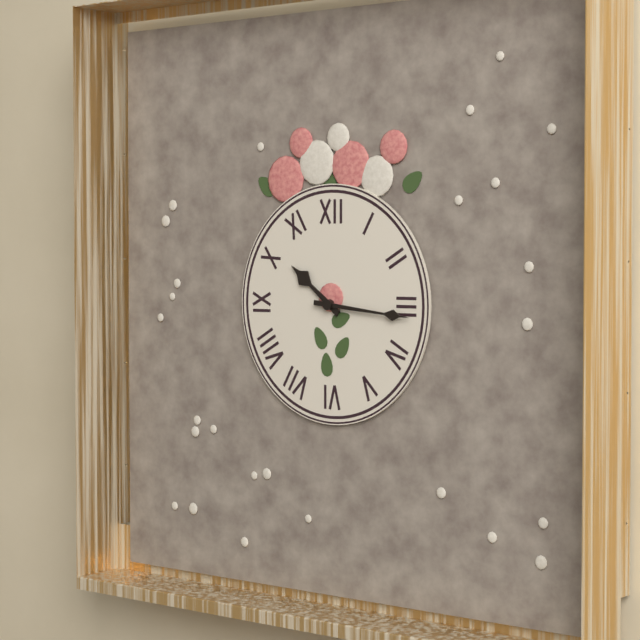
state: 10:16
